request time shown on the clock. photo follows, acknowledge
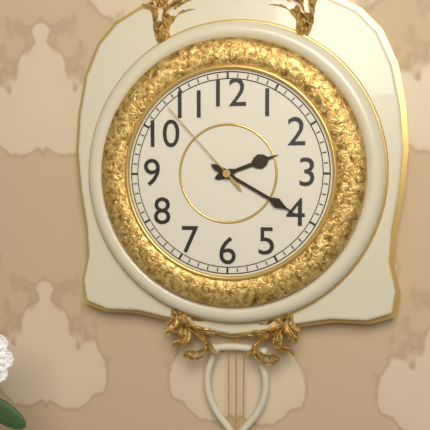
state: 2:20:53
